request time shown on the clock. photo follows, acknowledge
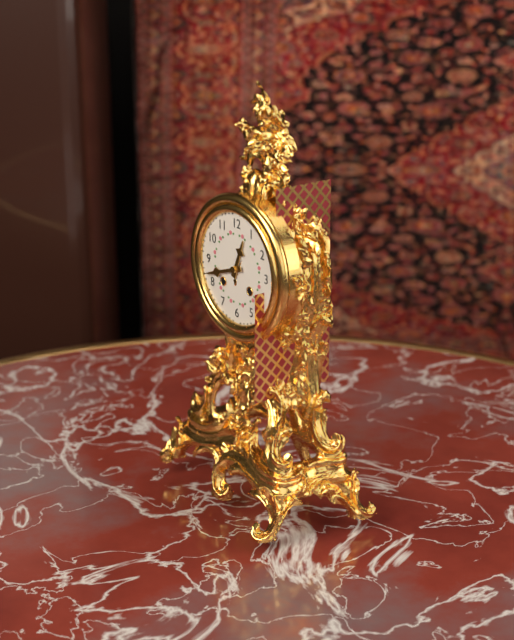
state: 12:42
